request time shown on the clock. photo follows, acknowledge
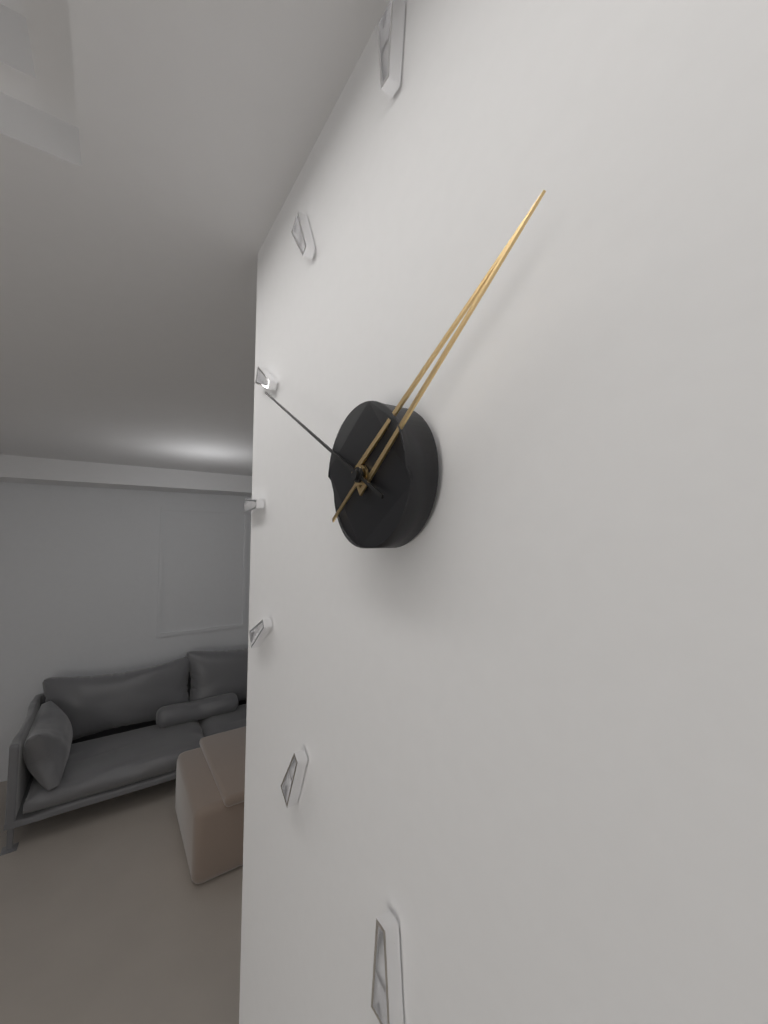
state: 1:50
